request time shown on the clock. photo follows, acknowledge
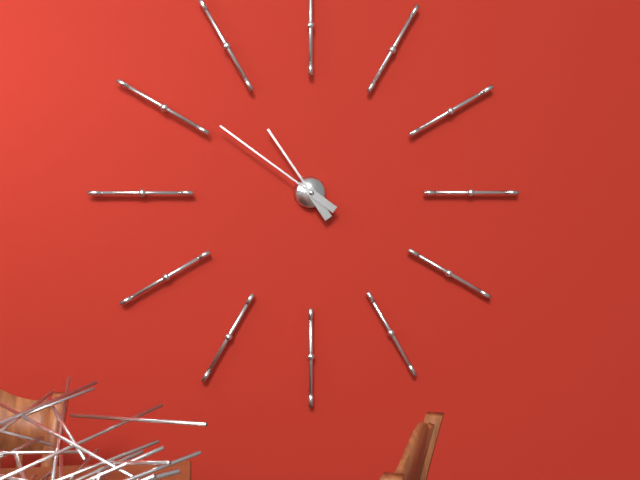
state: 10:51
